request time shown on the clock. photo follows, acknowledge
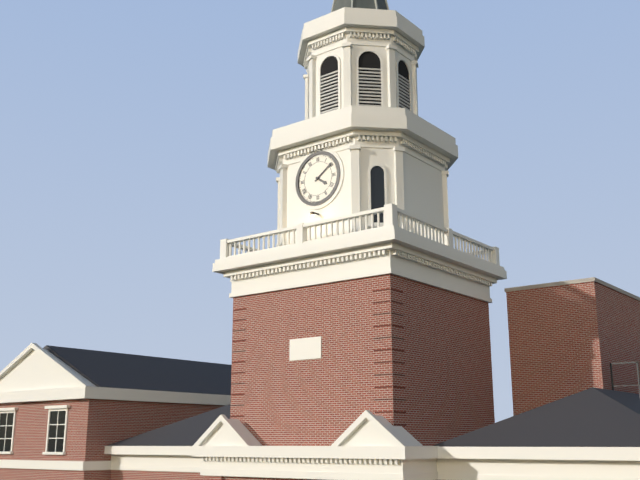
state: 4:09
